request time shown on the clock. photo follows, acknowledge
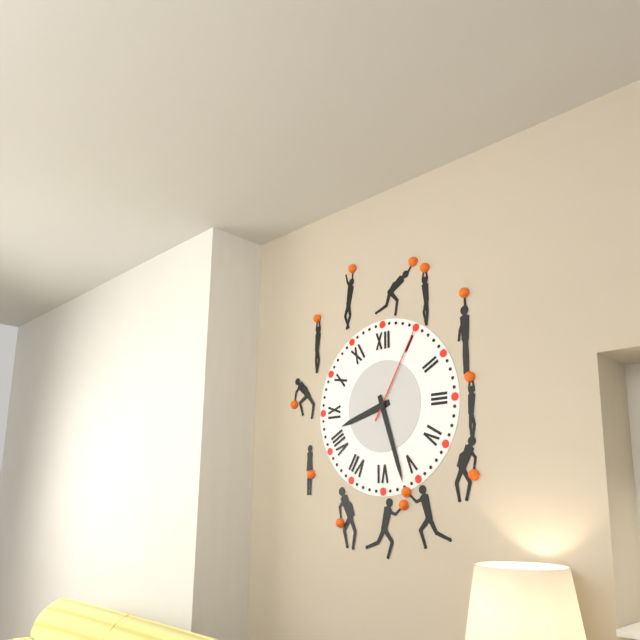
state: 8:27:05
